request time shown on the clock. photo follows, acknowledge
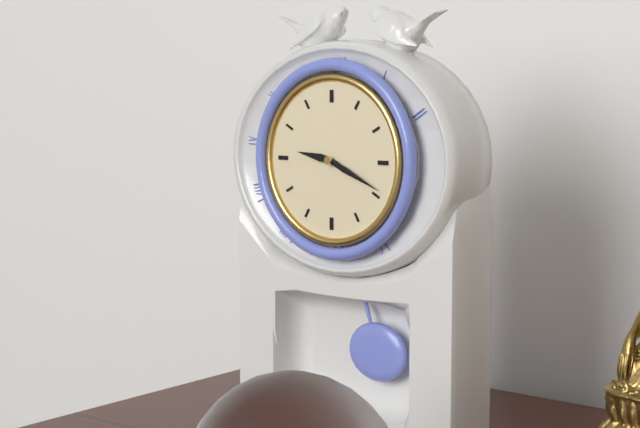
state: 9:19
